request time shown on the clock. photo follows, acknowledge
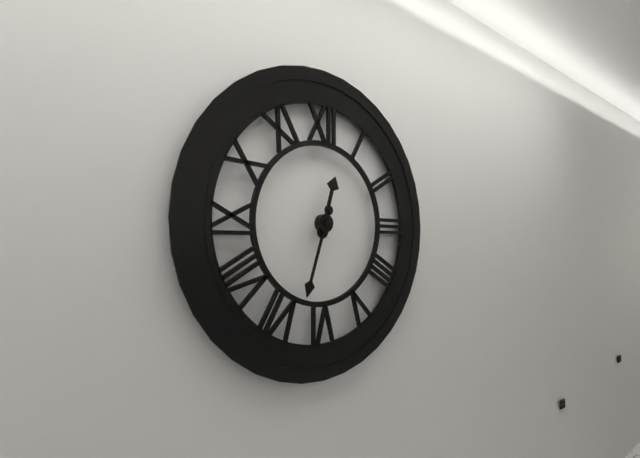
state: 12:33
